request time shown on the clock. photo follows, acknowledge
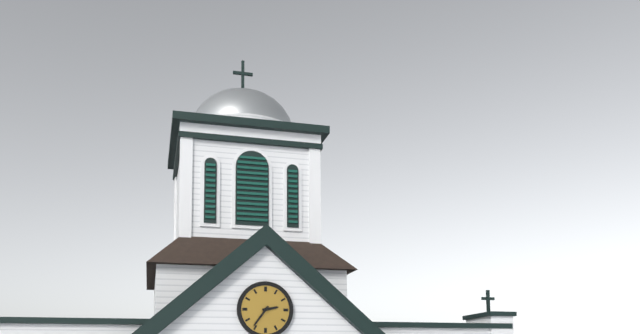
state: 2:36
